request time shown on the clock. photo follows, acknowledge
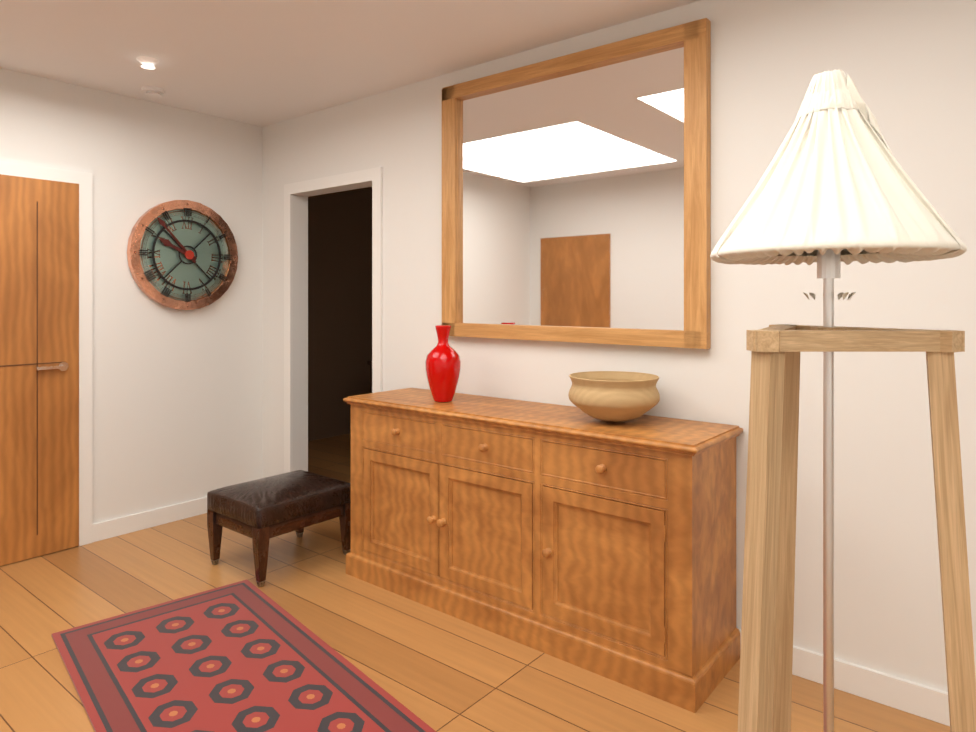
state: 9:53
